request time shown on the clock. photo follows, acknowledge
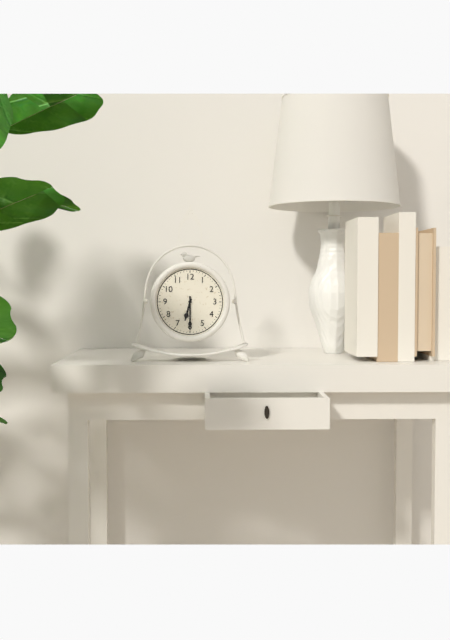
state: 6:30
